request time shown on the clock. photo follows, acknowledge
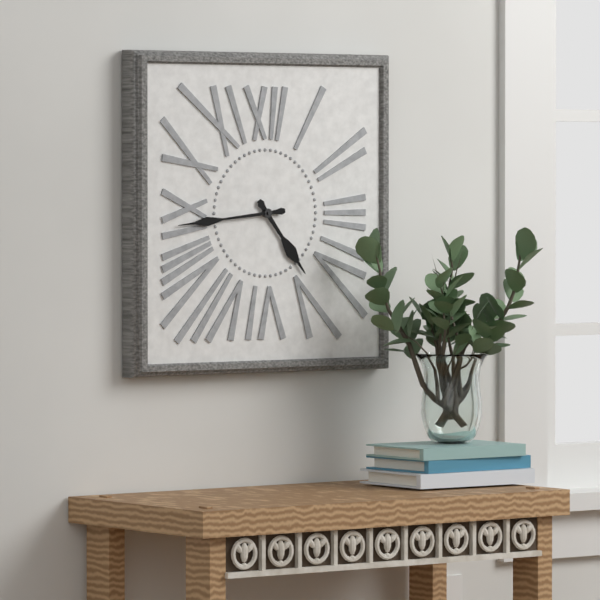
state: 4:44
